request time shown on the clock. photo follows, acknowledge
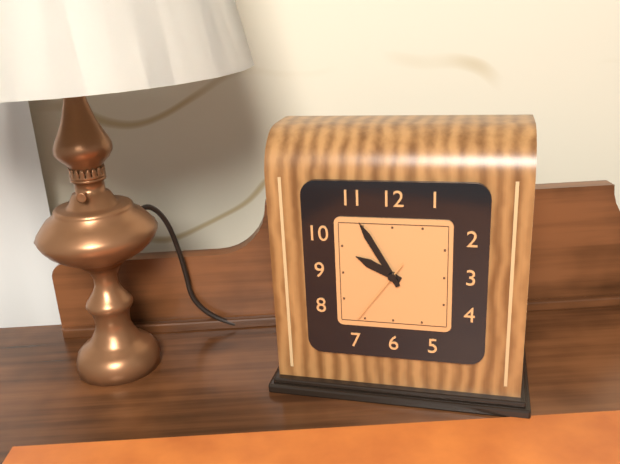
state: 9:55:36
